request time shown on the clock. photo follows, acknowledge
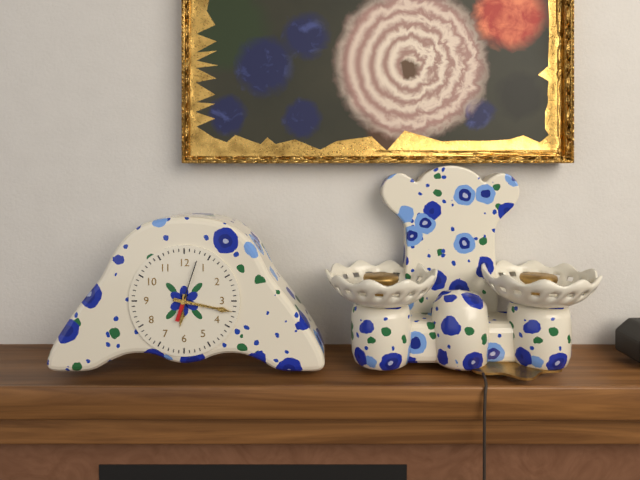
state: 6:17
